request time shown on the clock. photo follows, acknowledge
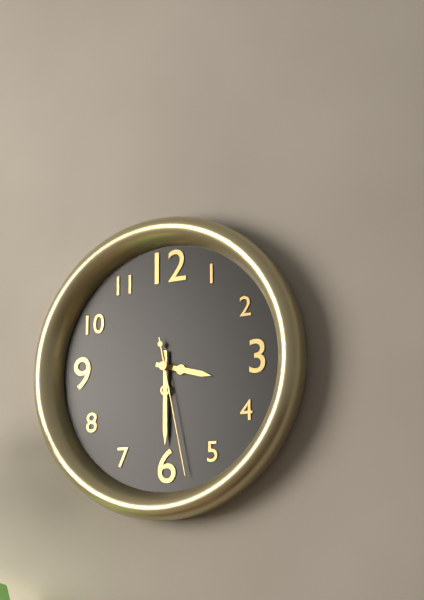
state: 3:30:28
